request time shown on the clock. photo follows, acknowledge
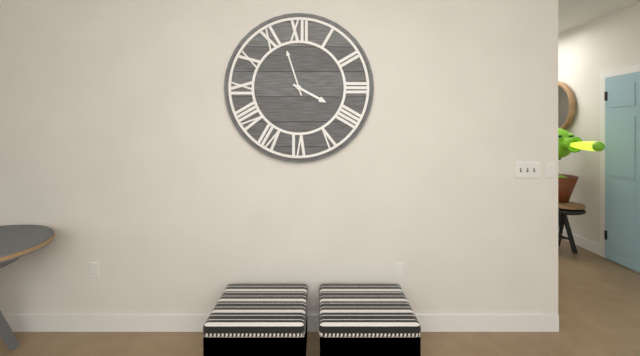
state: 3:57
